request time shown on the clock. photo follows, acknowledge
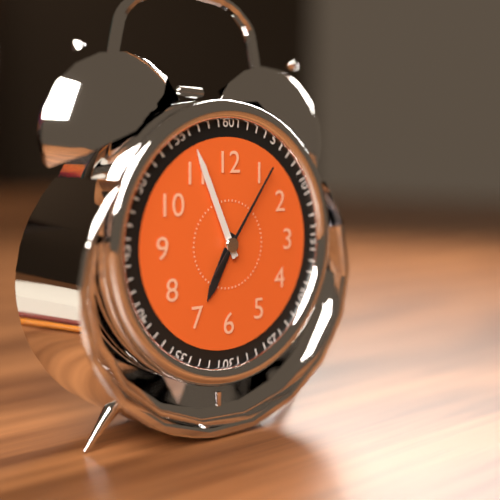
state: 6:56:06
